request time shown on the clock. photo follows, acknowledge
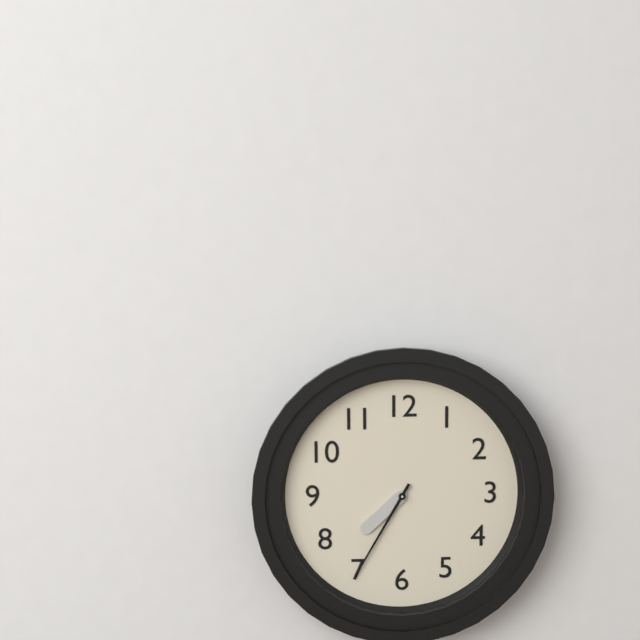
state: 7:35
